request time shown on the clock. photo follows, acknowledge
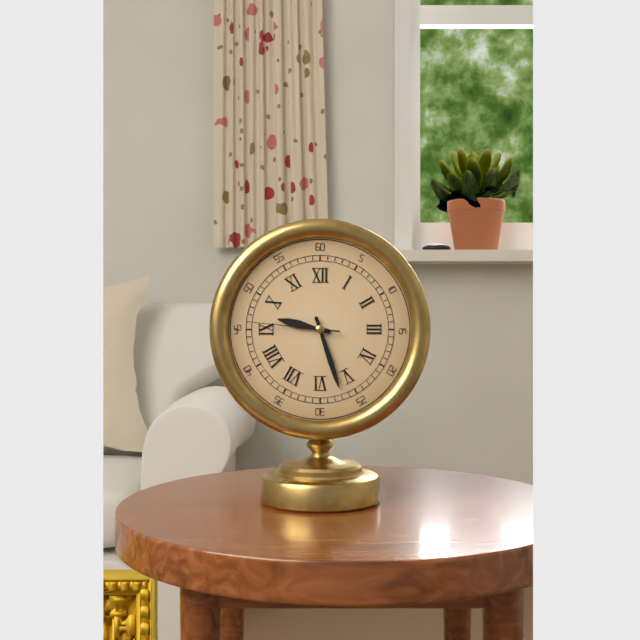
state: 9:27:46
